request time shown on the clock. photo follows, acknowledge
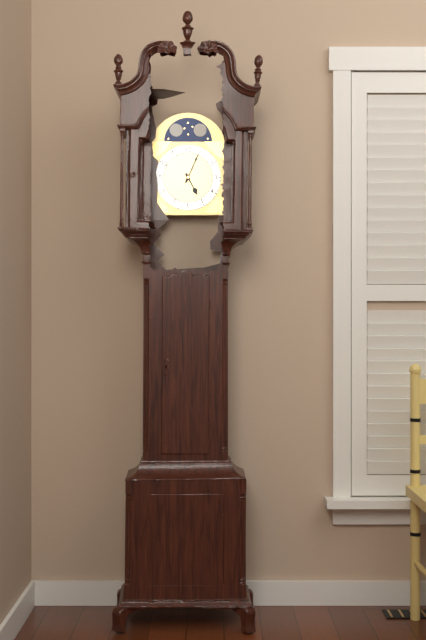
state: 5:04
